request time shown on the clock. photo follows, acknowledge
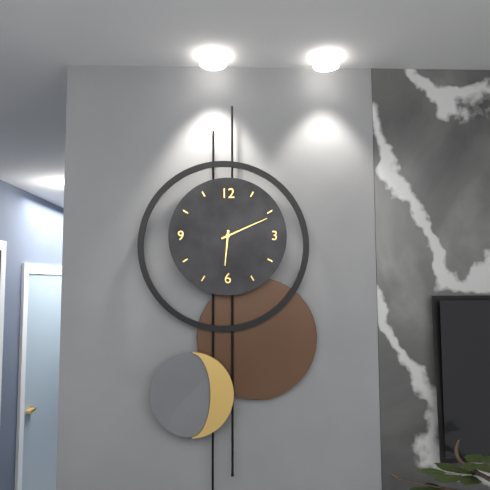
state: 6:11
